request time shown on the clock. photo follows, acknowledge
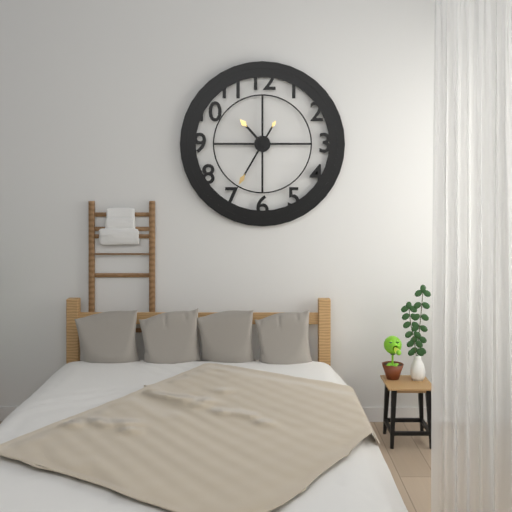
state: 10:35
